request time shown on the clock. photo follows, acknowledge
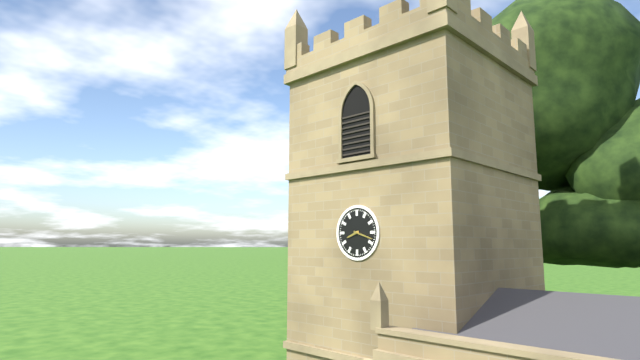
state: 8:18
